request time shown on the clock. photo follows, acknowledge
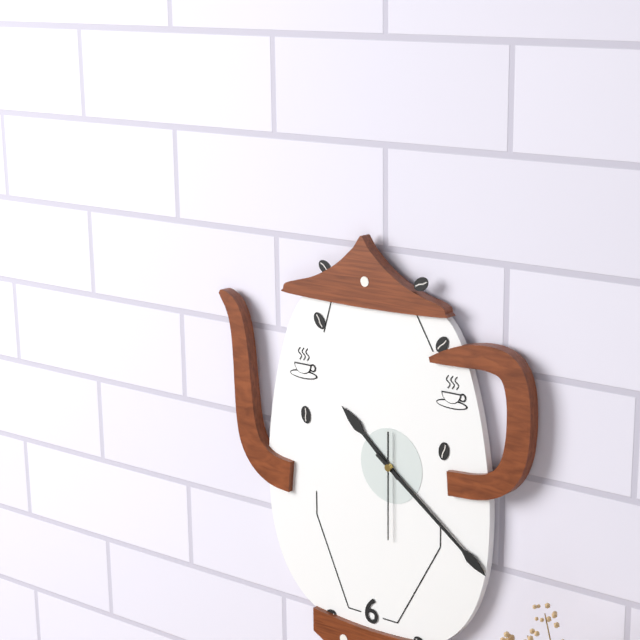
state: 10:21:30
